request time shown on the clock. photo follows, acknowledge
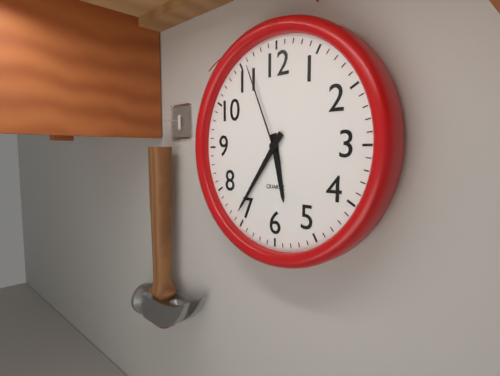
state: 5:36:56
